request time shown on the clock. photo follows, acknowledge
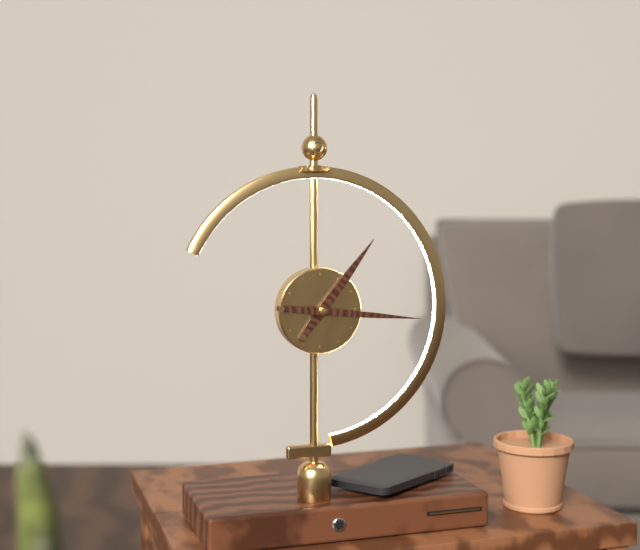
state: 1:16
